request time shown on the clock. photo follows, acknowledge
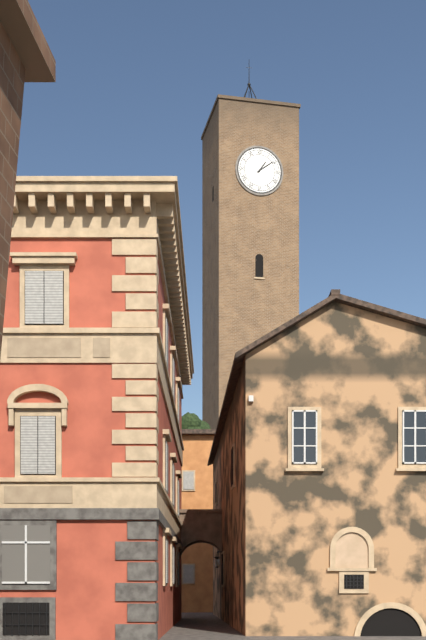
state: 1:09
